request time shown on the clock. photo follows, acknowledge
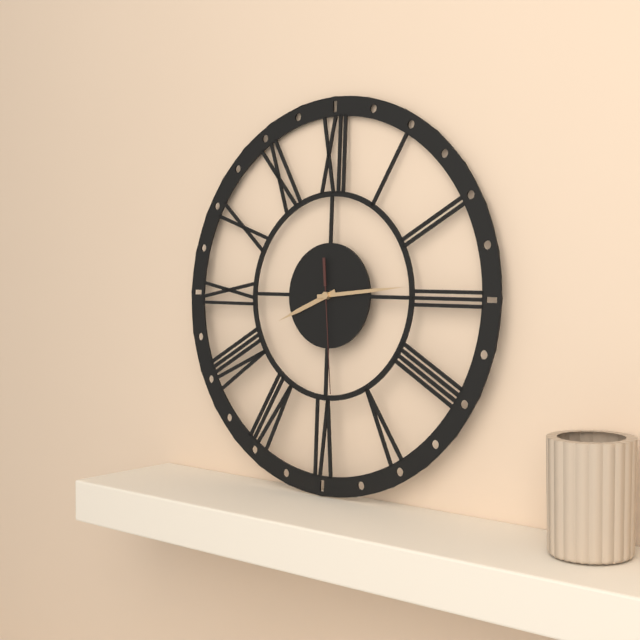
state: 8:14:29
